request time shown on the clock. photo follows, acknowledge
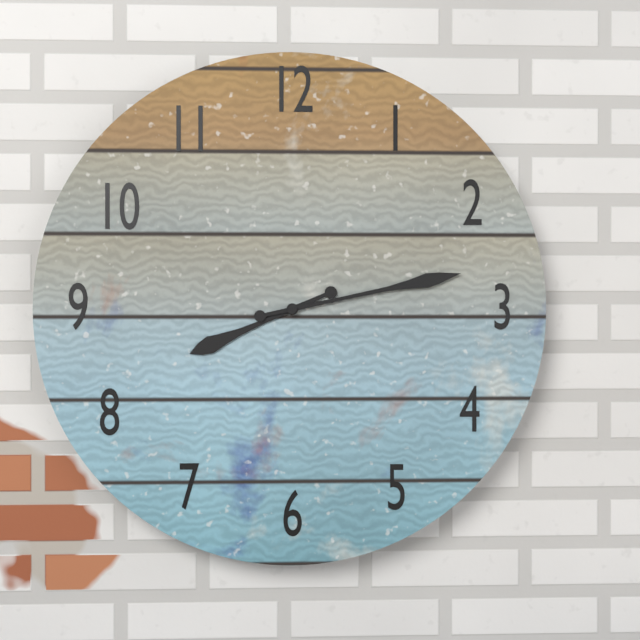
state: 8:13
